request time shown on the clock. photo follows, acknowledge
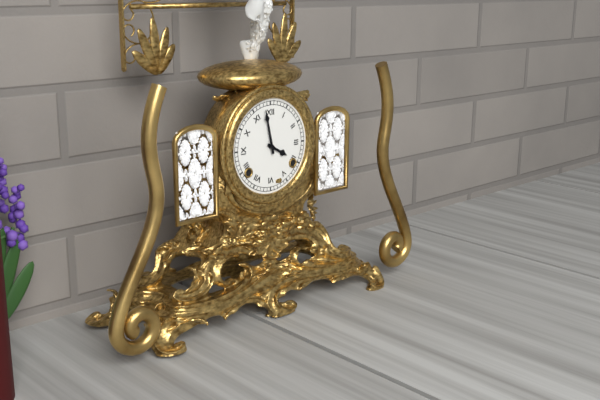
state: 3:58
